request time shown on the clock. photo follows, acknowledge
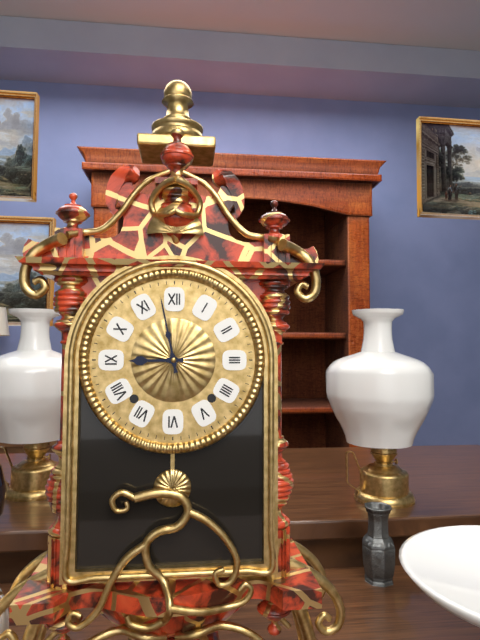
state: 8:58
